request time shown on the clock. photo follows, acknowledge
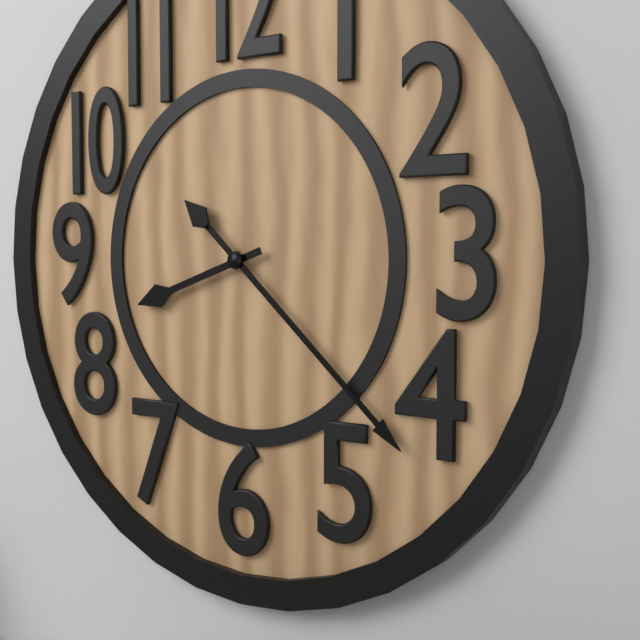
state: 8:22
